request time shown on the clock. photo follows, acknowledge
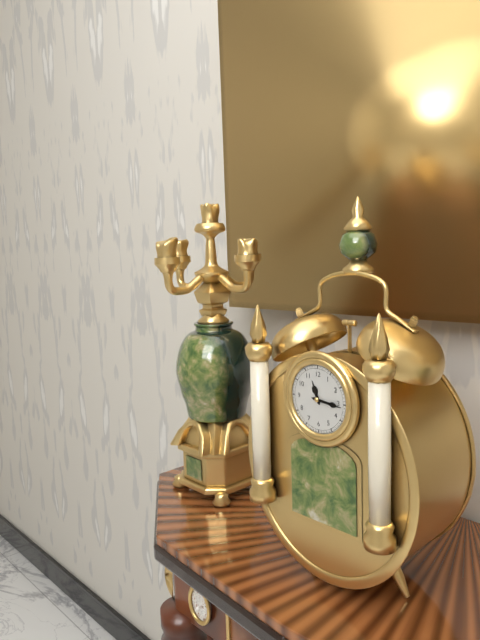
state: 11:16
